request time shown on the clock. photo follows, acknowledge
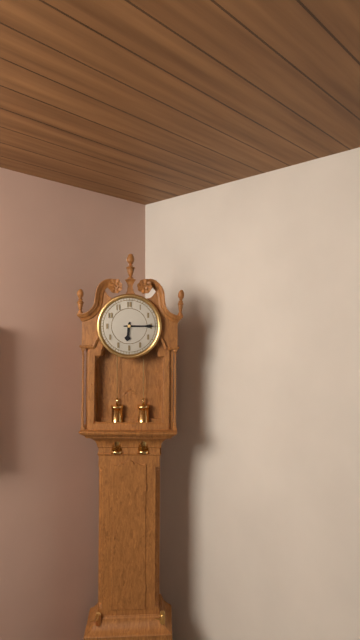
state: 6:15
